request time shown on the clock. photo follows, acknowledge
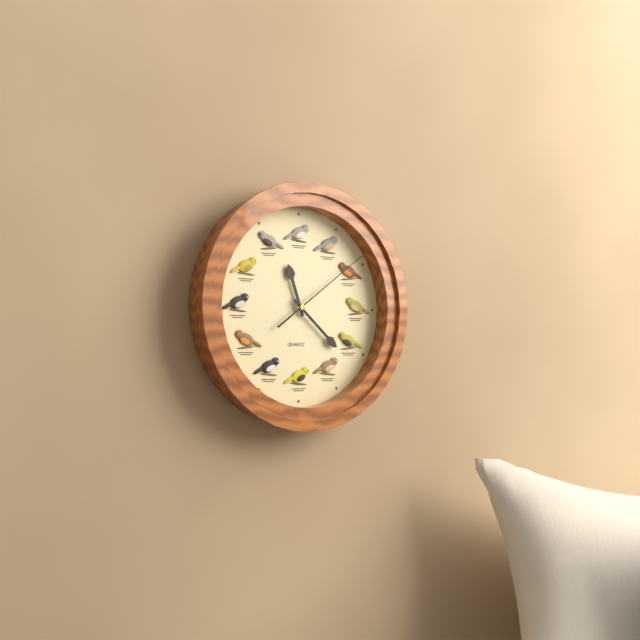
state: 11:22:09
